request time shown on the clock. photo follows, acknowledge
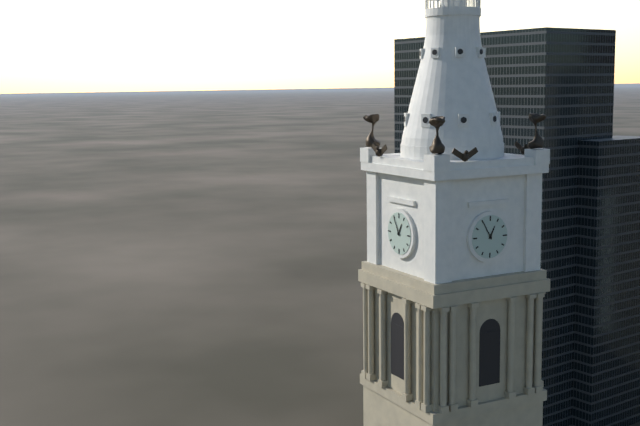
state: 12:55
